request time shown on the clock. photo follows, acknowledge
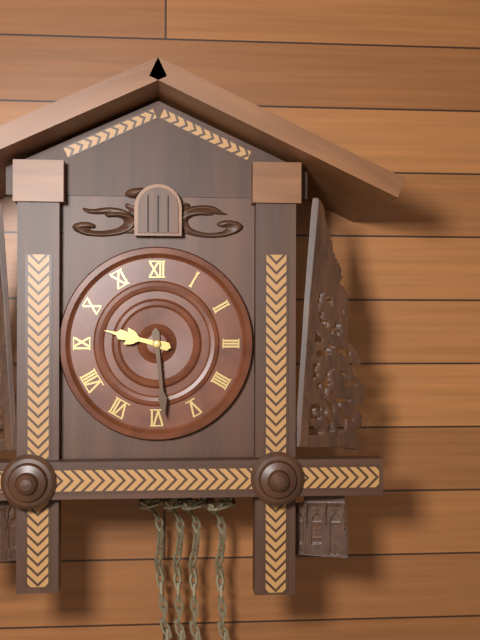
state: 9:29
